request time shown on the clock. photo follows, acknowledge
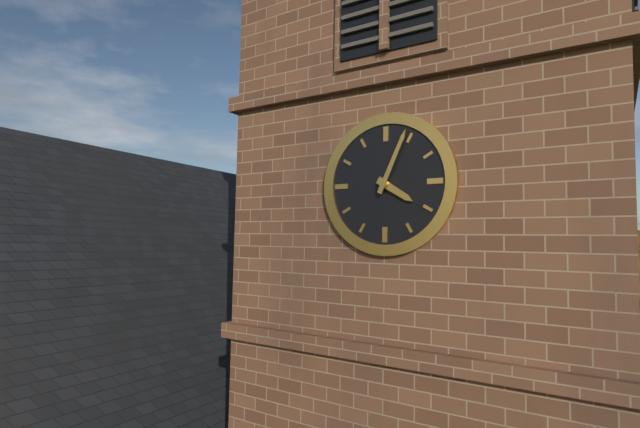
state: 4:04
